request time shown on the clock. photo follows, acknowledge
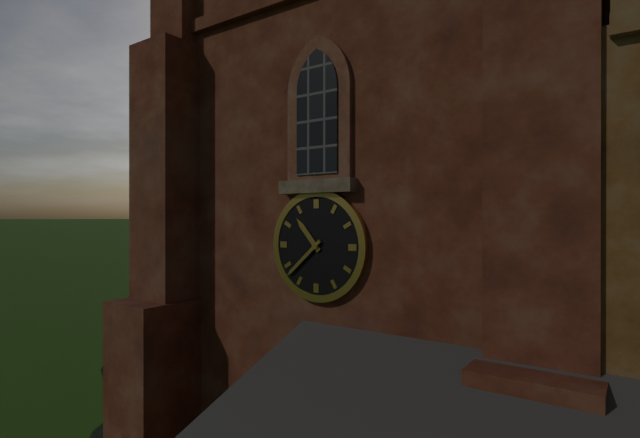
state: 10:38
